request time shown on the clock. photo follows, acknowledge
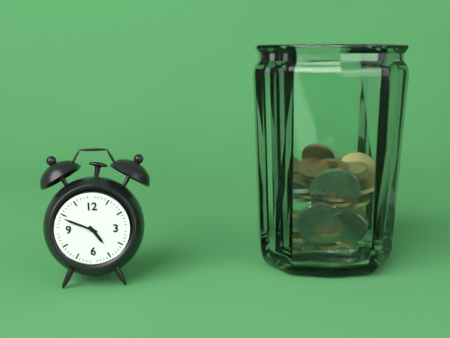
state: 4:49
